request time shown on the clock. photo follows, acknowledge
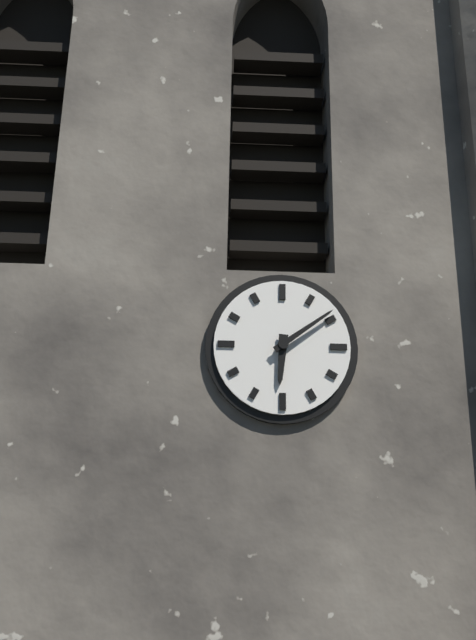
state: 6:09
